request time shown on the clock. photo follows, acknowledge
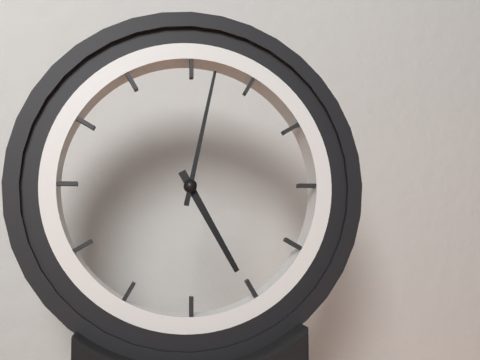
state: 5:02
